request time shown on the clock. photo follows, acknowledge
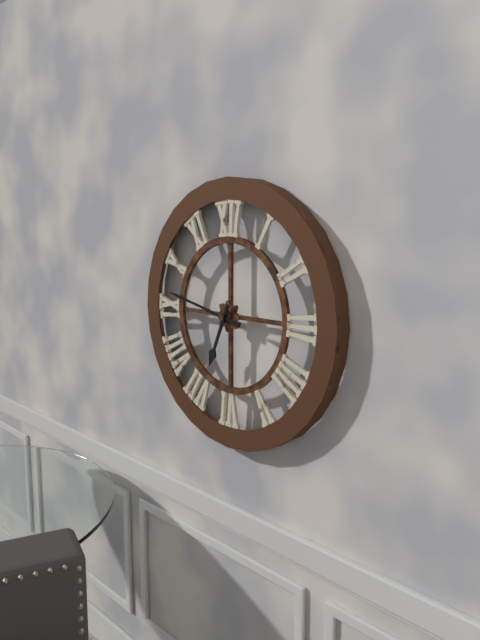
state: 6:47
